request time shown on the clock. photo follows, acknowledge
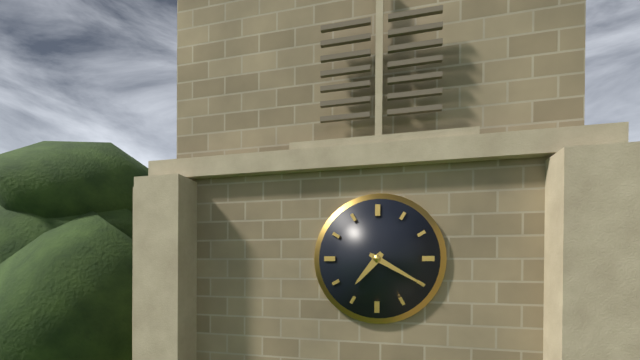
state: 7:20
